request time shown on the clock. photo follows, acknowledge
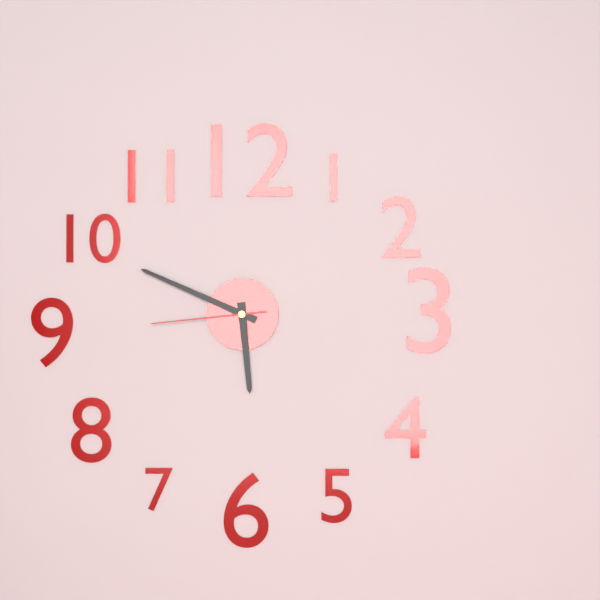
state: 5:49:44
